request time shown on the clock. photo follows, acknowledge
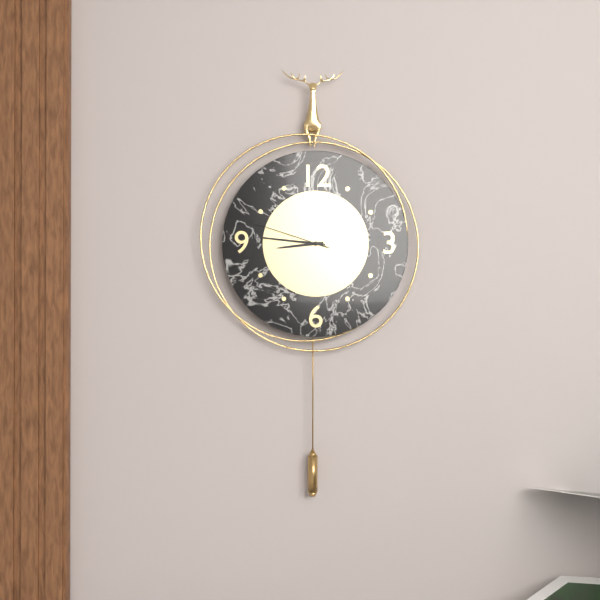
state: 8:46:48
